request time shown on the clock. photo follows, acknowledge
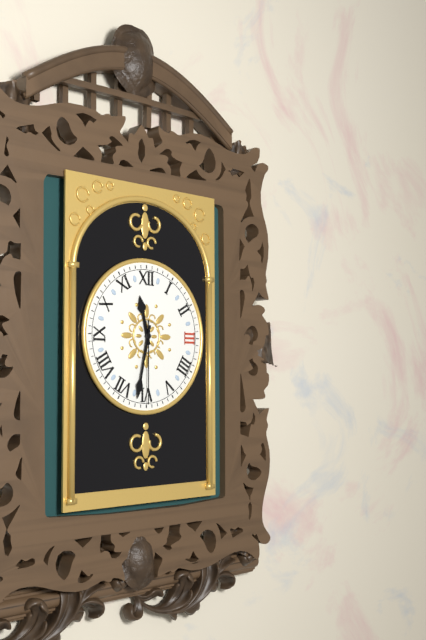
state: 11:32:30
